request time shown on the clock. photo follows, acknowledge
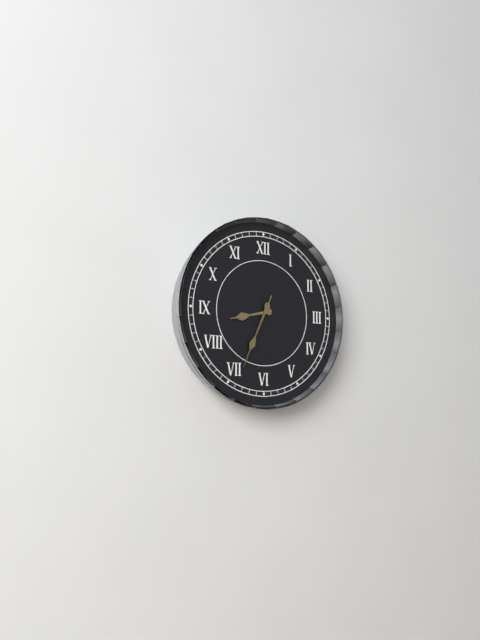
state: 8:34:34
